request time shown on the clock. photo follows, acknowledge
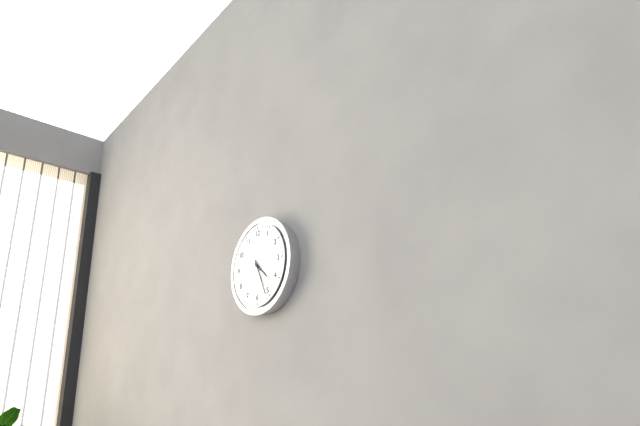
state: 4:26
